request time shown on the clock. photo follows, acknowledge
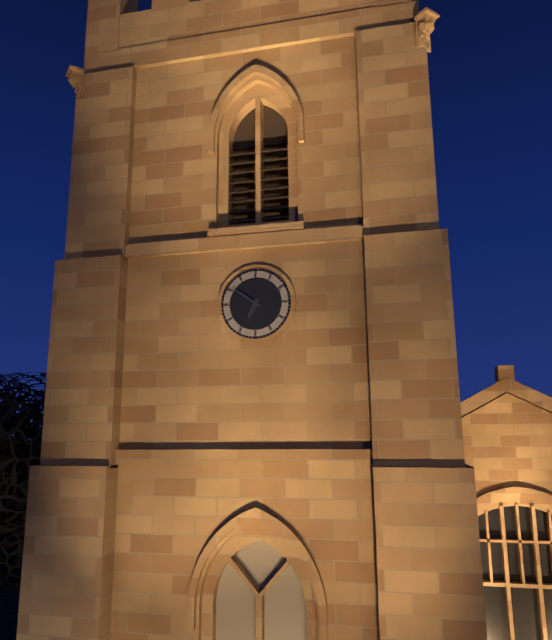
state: 6:51
